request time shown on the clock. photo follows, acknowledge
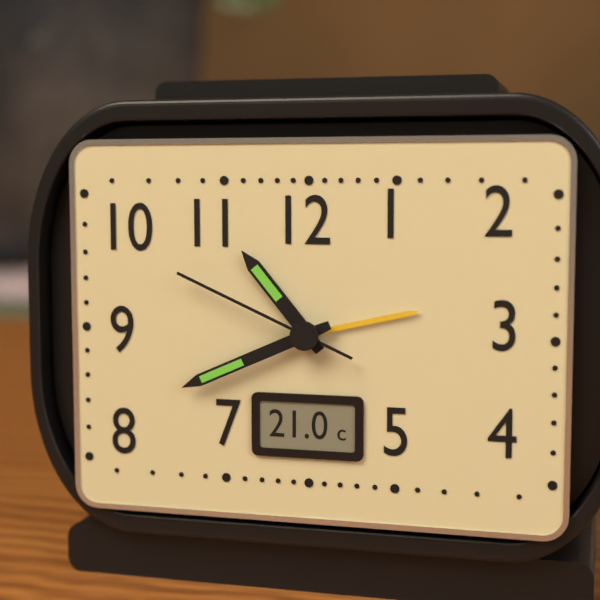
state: 10:41:49
